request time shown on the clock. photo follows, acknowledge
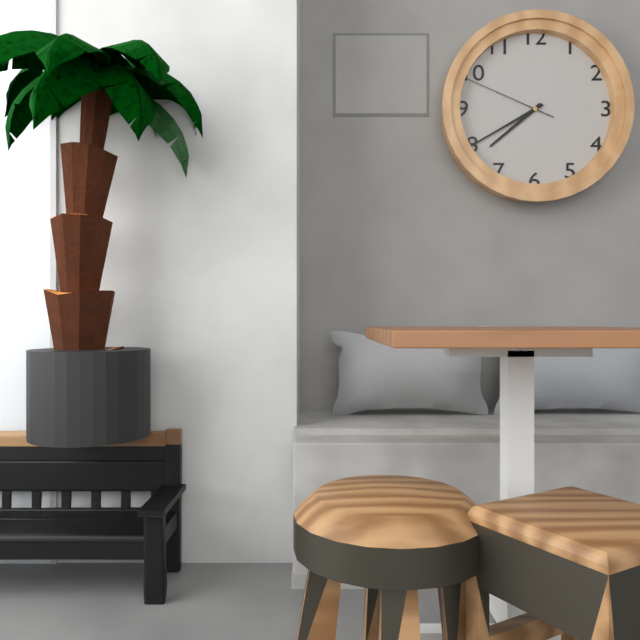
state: 7:40:49
